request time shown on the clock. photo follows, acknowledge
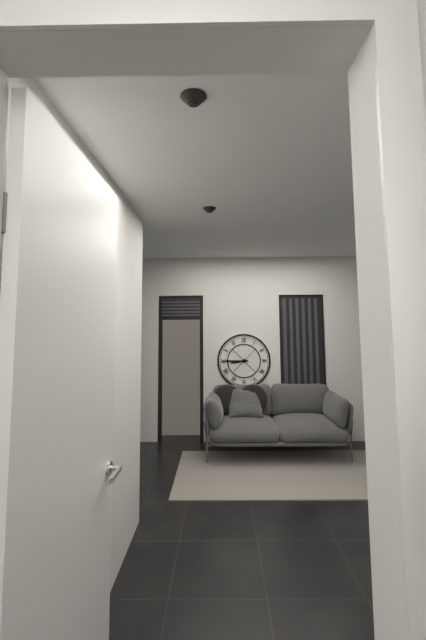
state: 8:45
